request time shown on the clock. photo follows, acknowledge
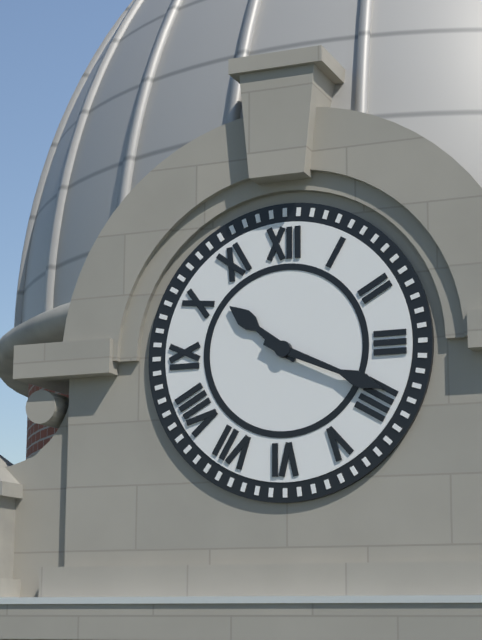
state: 10:19
